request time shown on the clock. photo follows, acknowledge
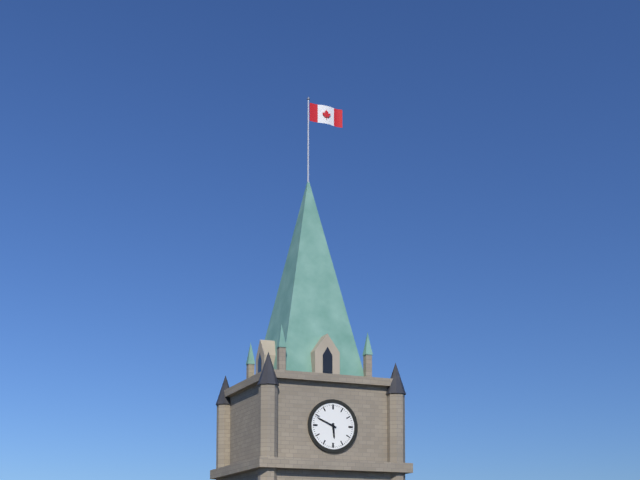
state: 5:49
